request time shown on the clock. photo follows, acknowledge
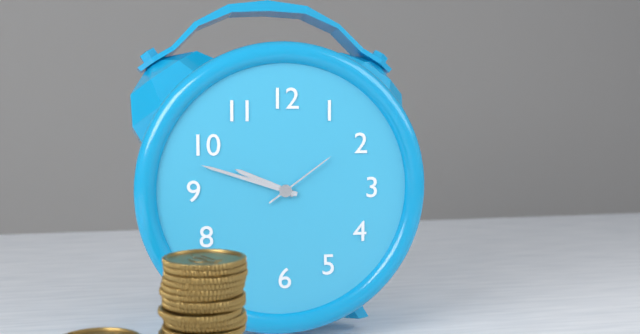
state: 9:48:09
